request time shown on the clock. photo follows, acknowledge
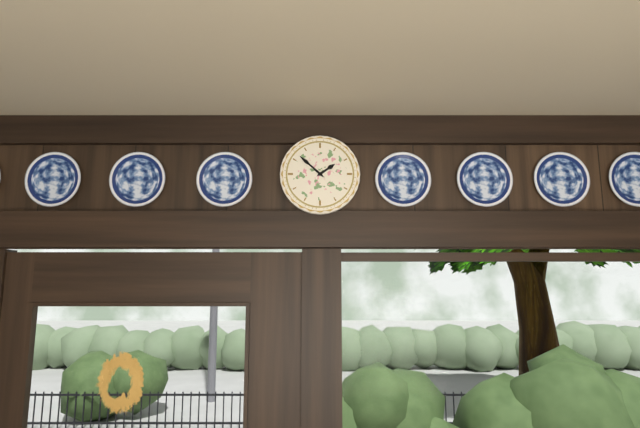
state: 1:52
